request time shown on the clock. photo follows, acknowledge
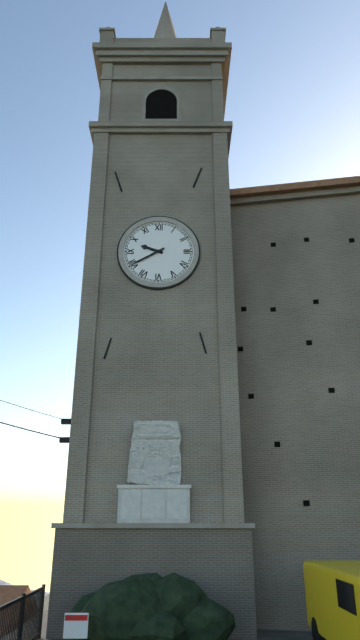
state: 9:40
